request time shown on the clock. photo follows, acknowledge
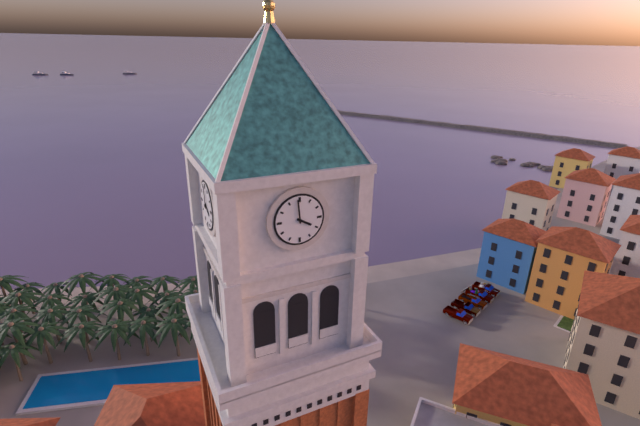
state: 3:59
